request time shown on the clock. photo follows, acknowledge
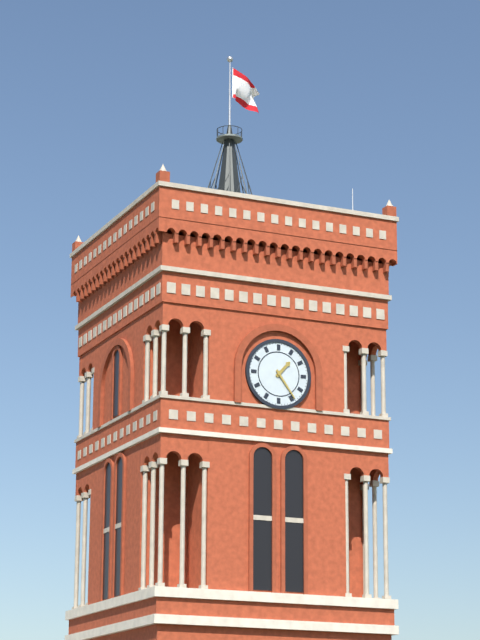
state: 1:24
